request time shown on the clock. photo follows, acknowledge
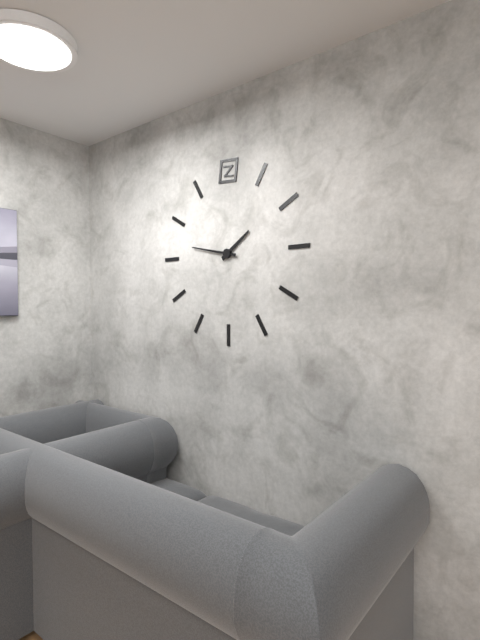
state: 1:47
